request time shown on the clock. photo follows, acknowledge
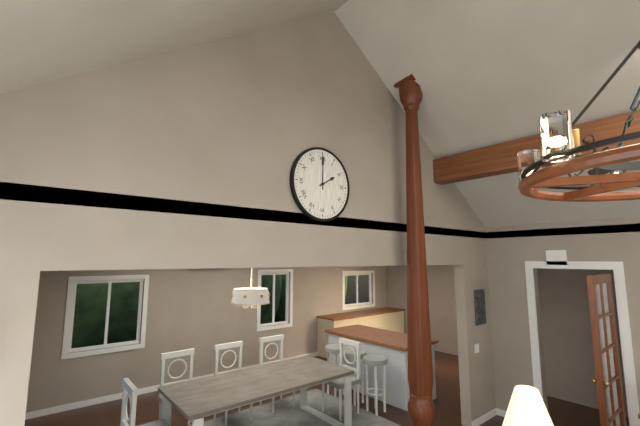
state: 2:00
